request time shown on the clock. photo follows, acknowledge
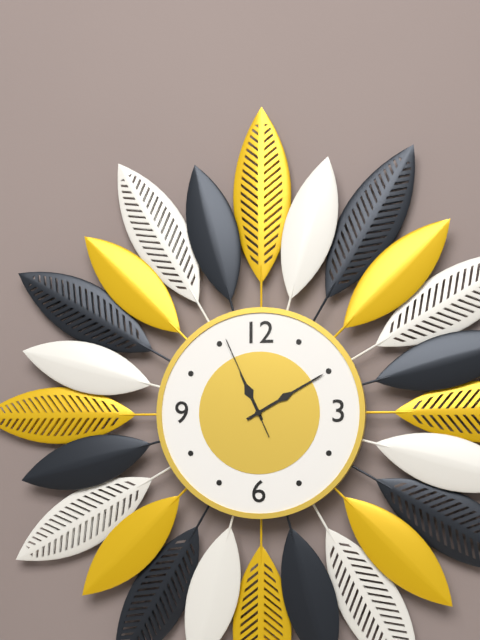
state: 11:10:56
